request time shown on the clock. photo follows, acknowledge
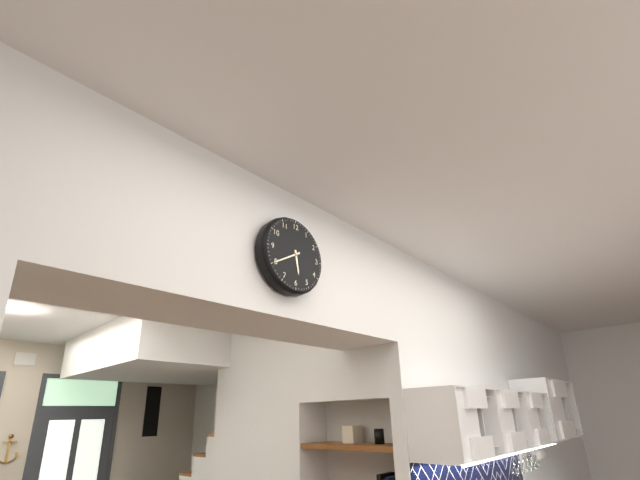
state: 5:40
